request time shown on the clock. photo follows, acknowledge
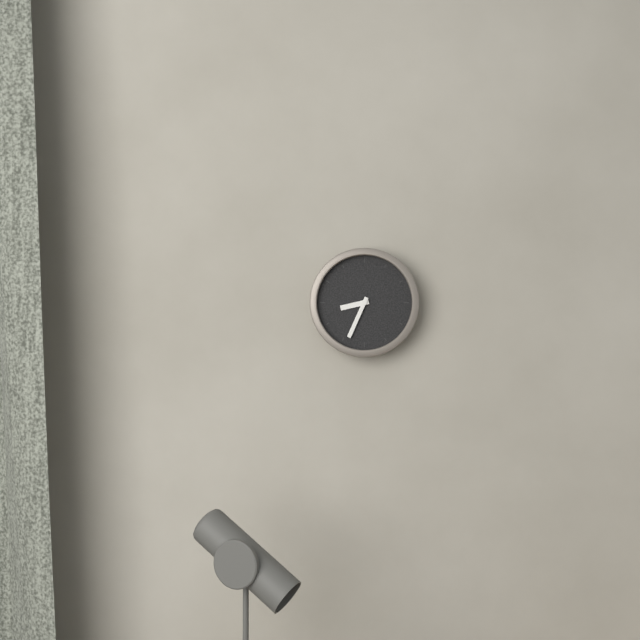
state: 8:34
